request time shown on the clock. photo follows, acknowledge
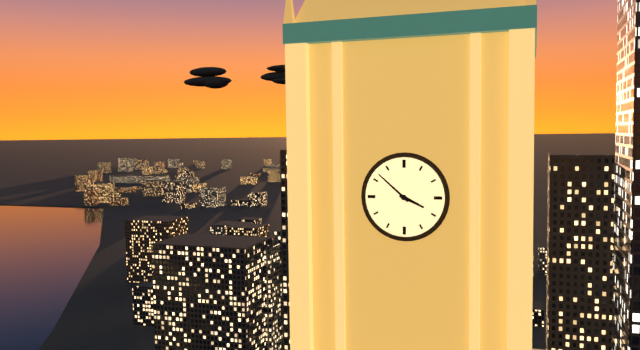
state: 3:52
